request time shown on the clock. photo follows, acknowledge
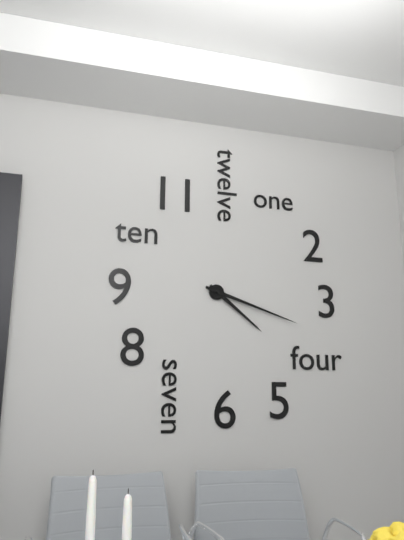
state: 4:18
